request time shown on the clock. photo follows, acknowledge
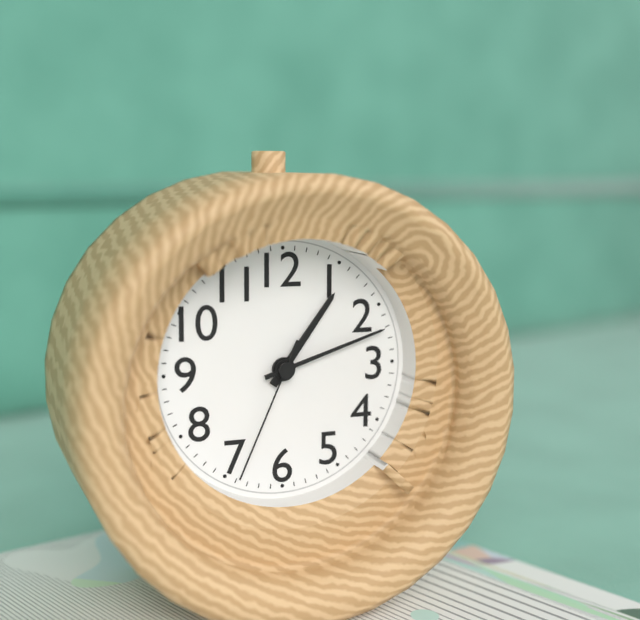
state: 1:12:34
